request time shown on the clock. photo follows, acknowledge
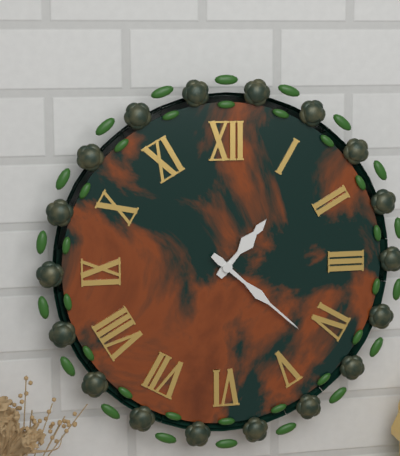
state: 1:22
